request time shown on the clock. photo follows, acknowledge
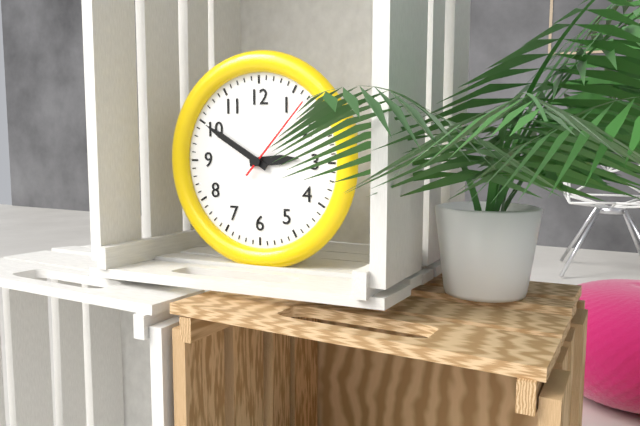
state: 2:50:07
